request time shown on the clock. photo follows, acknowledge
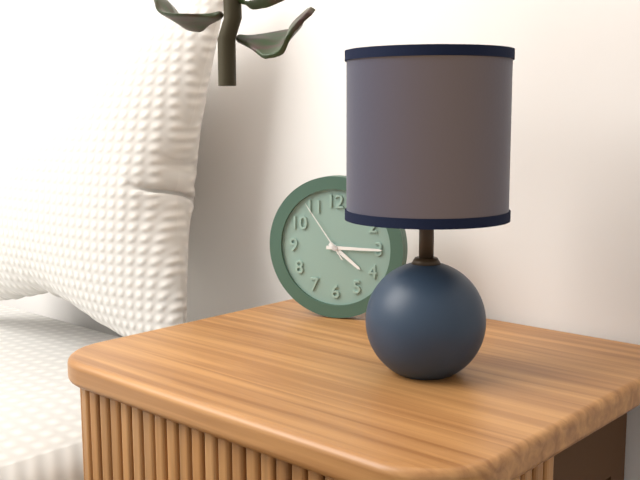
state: 4:15:54
